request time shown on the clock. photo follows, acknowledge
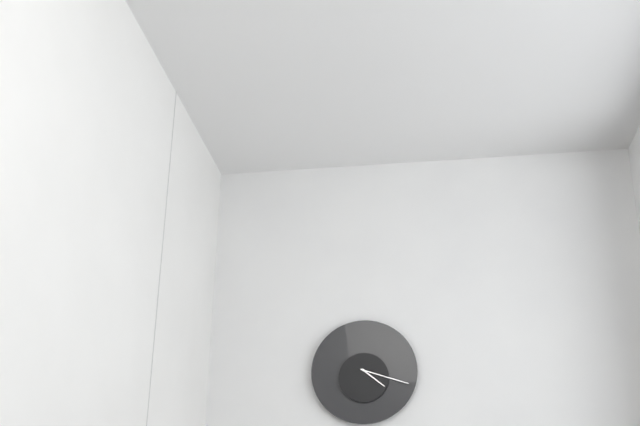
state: 4:18
